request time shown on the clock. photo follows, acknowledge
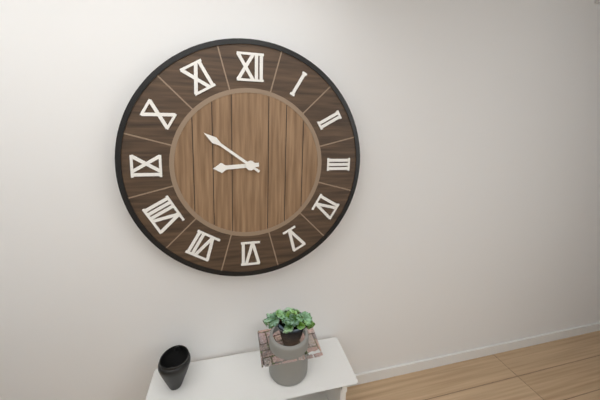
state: 8:51
